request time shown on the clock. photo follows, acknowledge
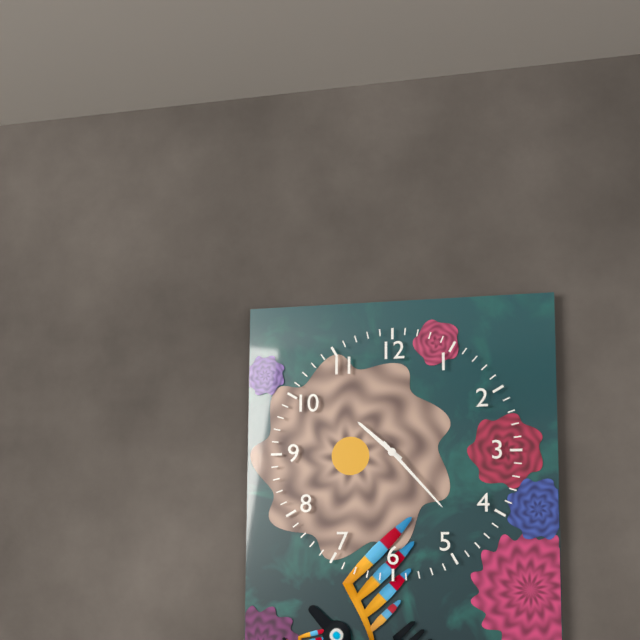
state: 10:23
